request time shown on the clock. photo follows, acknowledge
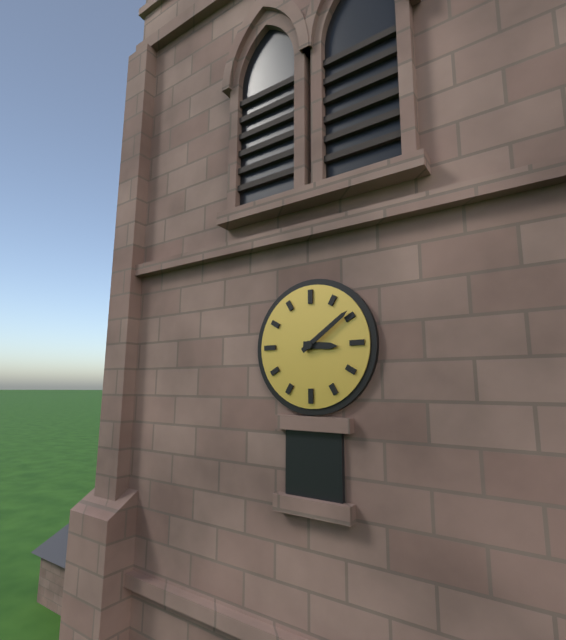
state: 3:09
